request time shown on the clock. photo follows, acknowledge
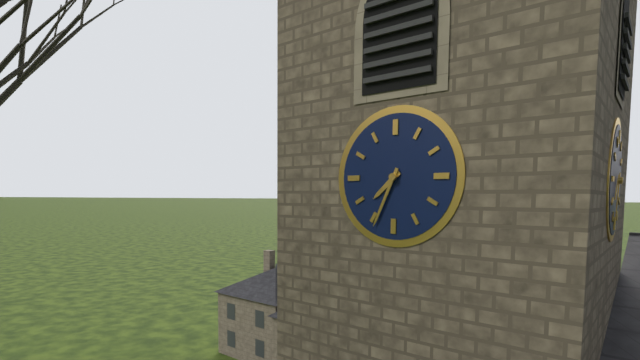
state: 7:34
